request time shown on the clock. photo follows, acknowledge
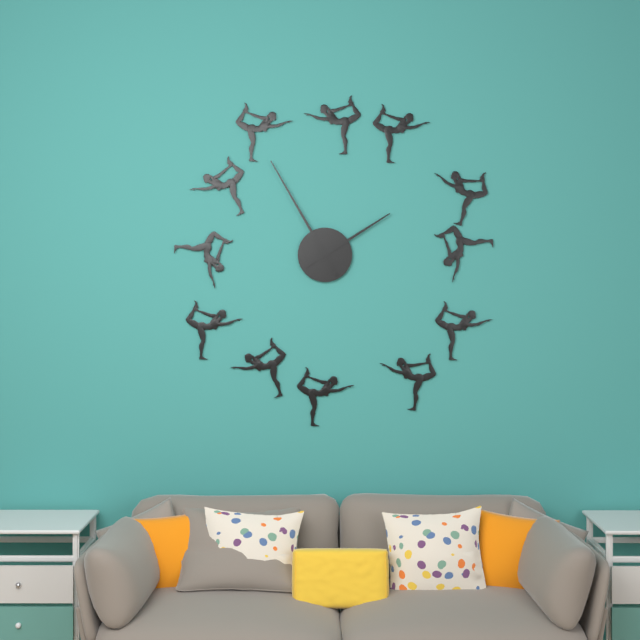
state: 1:55
